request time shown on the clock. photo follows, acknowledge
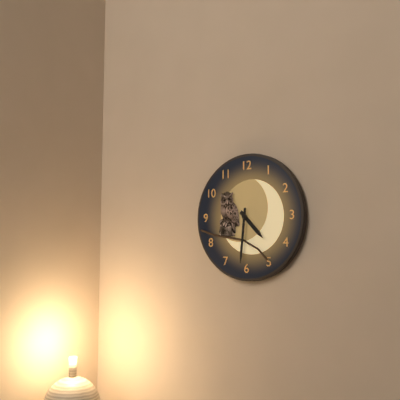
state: 4:31
